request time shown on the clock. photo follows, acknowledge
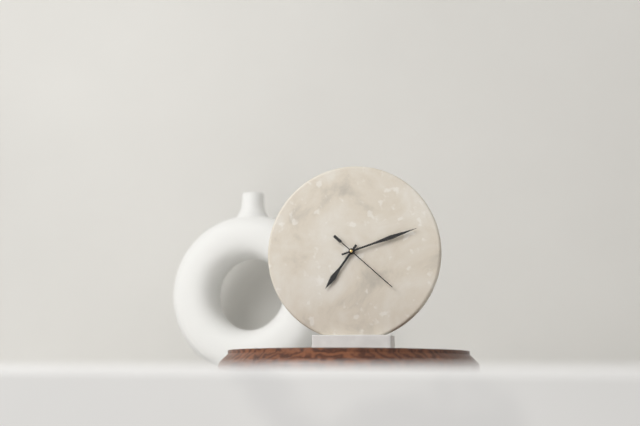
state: 7:12:22
